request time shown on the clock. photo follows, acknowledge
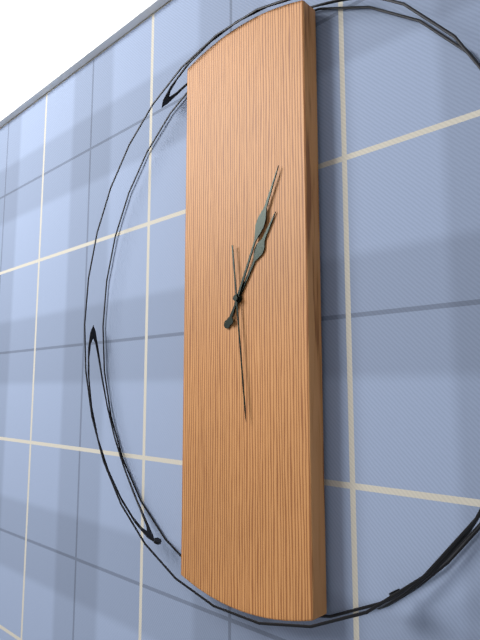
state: 1:04:29
